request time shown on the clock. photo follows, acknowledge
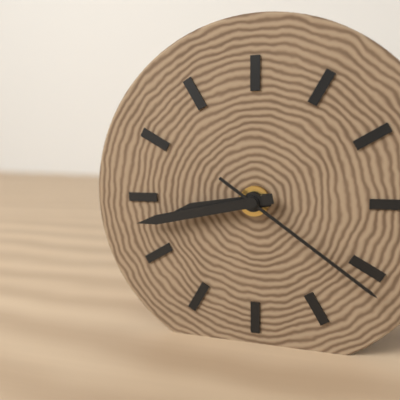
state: 8:43:21
